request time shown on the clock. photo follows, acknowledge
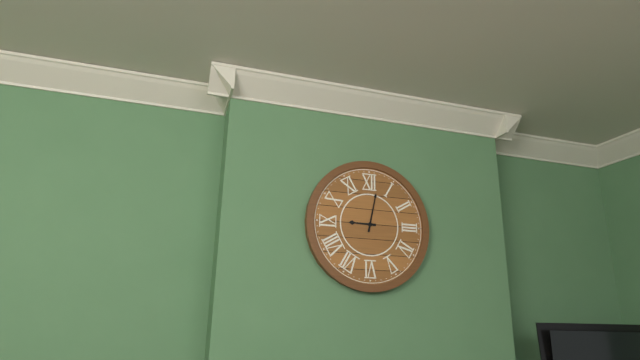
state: 9:02
